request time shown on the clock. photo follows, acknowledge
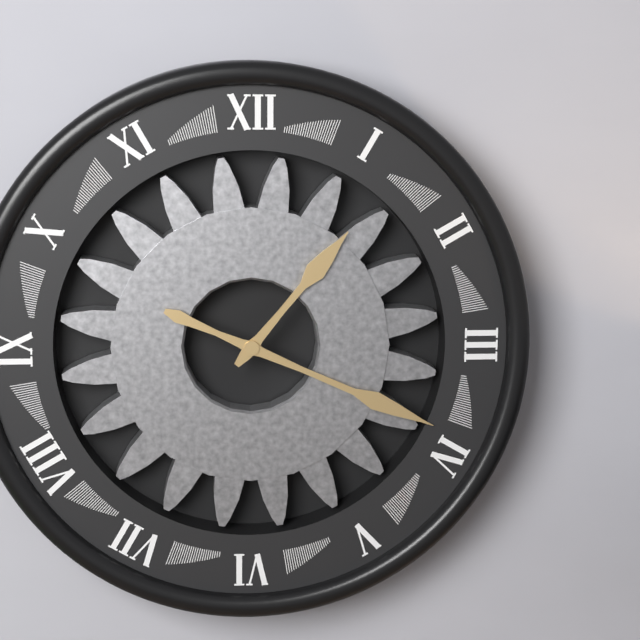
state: 1:19
